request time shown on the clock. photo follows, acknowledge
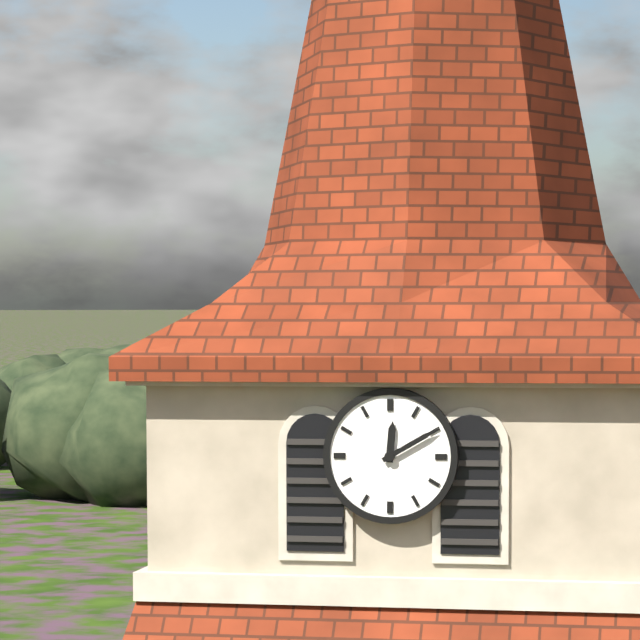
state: 12:10
